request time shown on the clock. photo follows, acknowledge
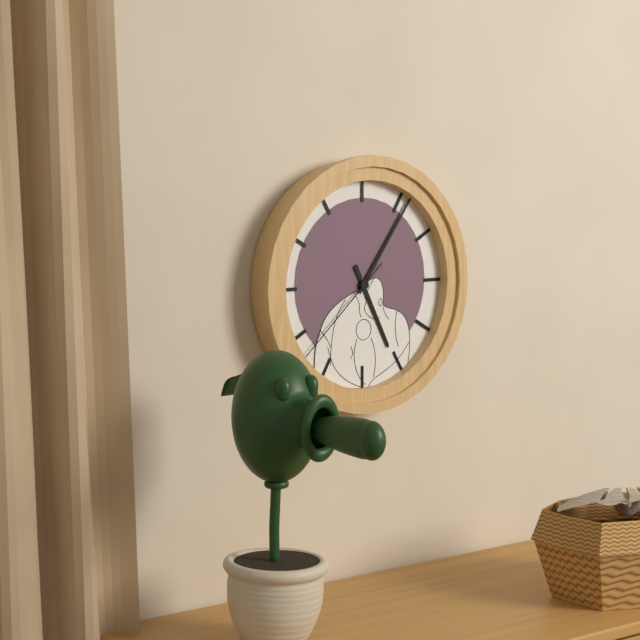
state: 5:06:38
